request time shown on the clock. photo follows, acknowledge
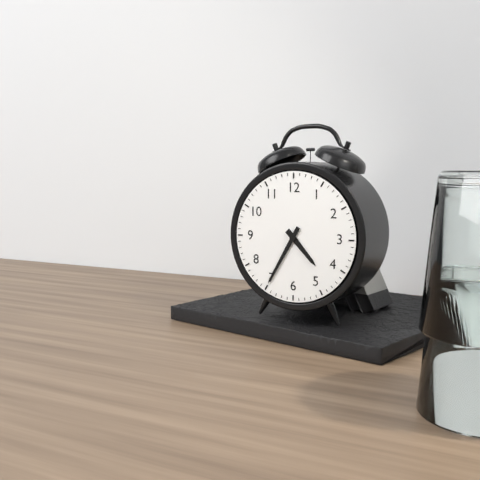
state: 4:35
